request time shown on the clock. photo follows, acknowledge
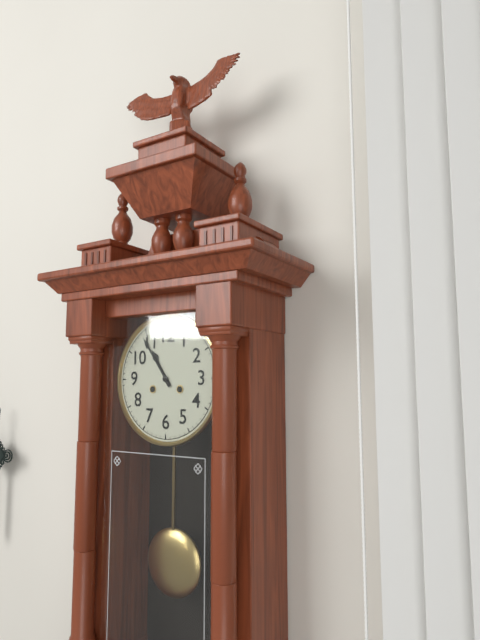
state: 10:54
